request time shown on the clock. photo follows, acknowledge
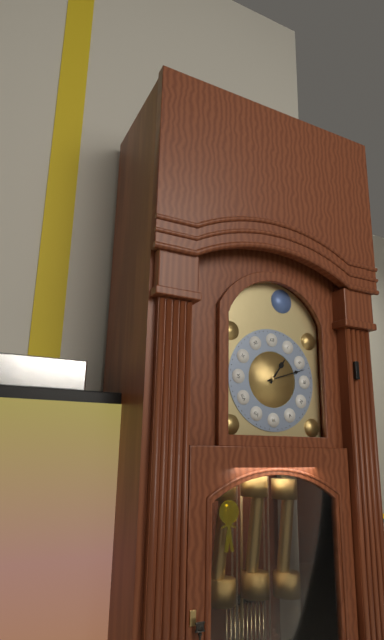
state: 1:12
